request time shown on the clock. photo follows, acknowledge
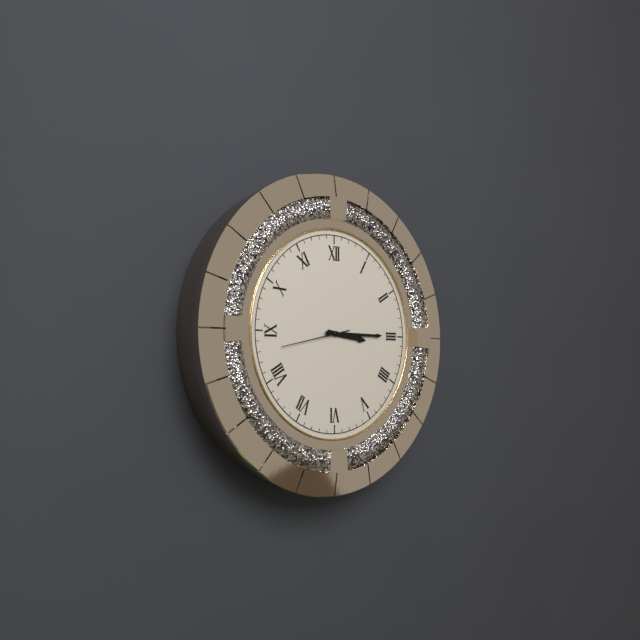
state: 3:15
